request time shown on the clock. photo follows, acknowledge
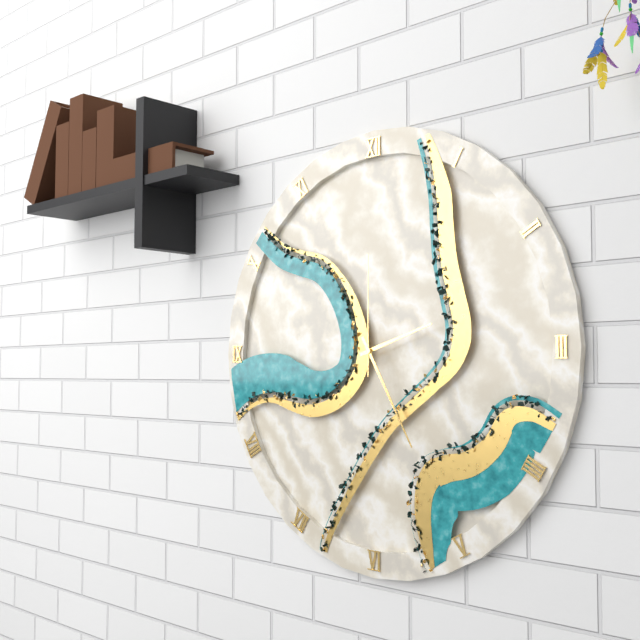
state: 2:25:00
